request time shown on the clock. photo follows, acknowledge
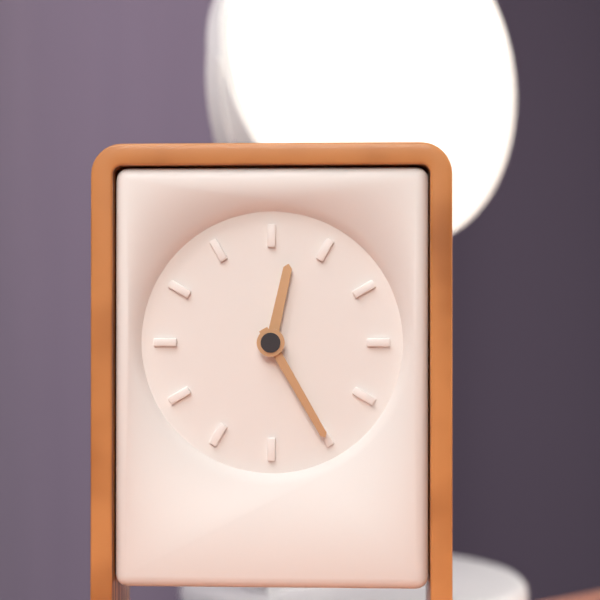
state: 12:25
